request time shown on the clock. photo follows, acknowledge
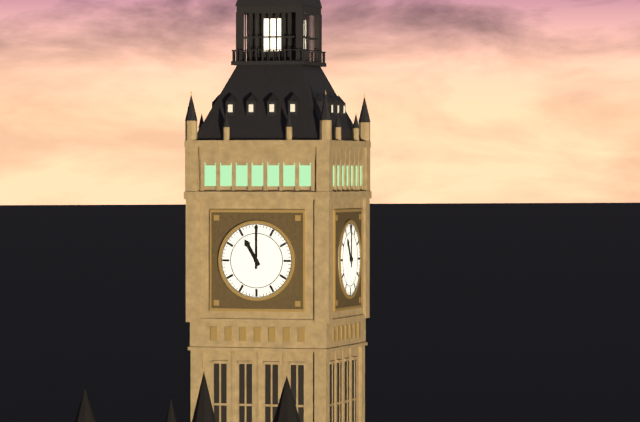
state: 11:00
